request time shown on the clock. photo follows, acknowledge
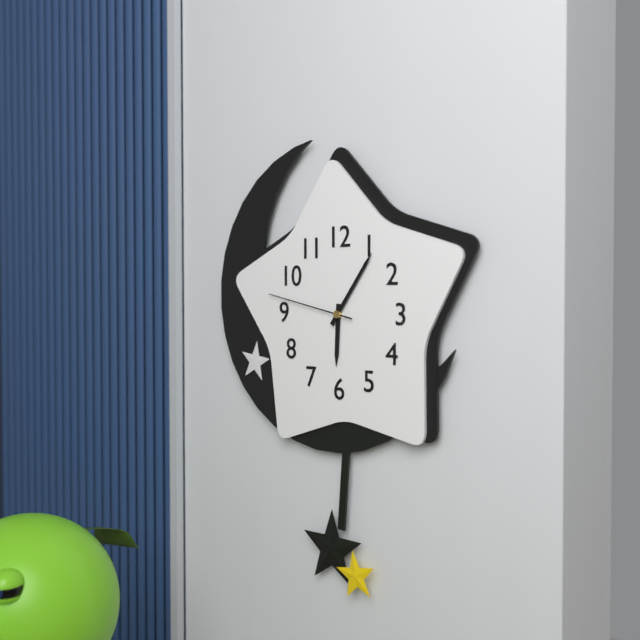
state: 6:06:47
